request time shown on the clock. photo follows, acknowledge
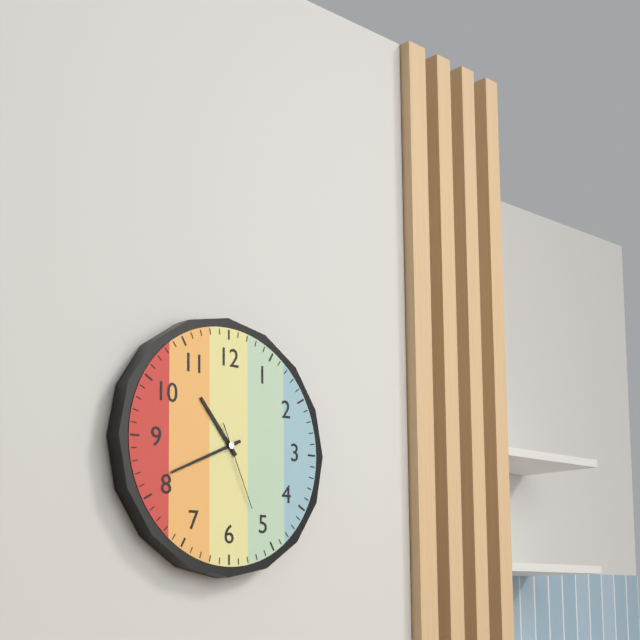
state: 10:41:26
